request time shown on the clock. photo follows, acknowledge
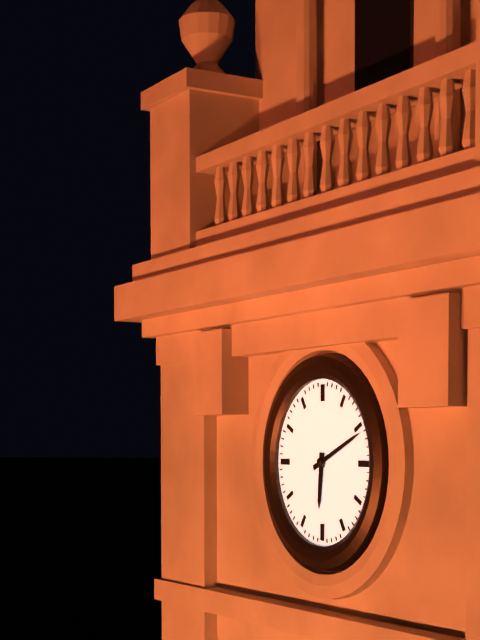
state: 6:11
